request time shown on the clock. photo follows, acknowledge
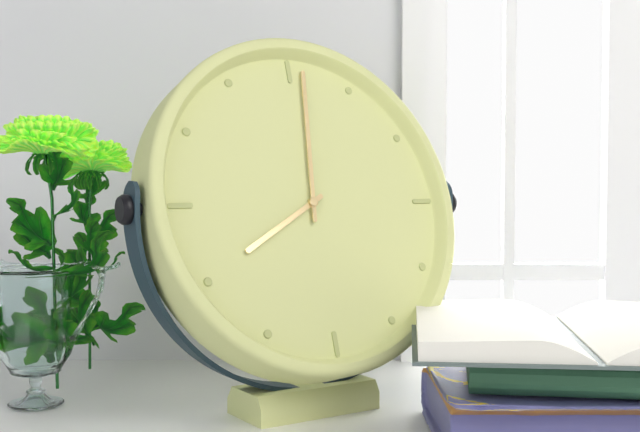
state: 8:01
